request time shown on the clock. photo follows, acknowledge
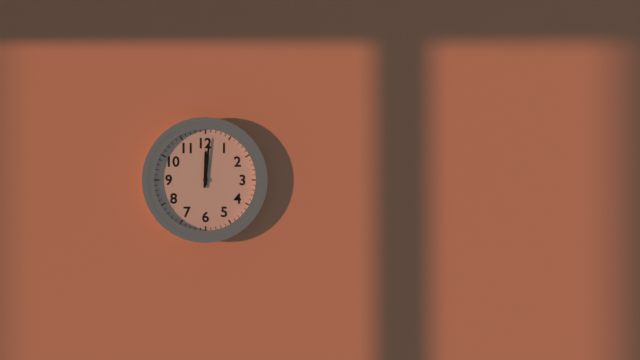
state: 12:01
